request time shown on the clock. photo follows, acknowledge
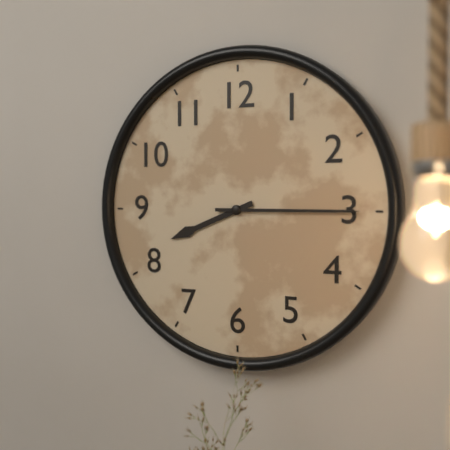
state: 8:15
